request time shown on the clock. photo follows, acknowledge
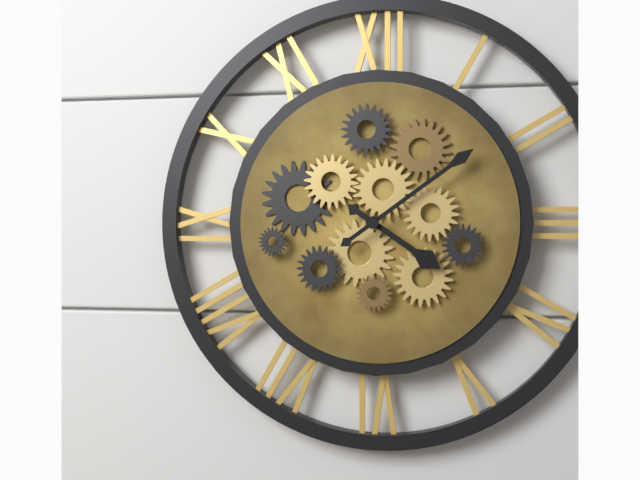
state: 4:09
